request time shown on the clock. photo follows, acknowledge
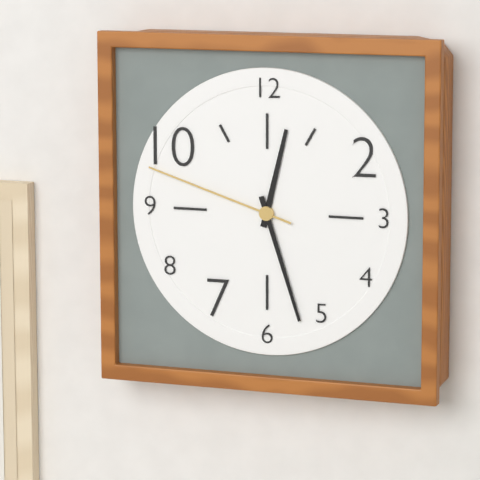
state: 12:27:48
